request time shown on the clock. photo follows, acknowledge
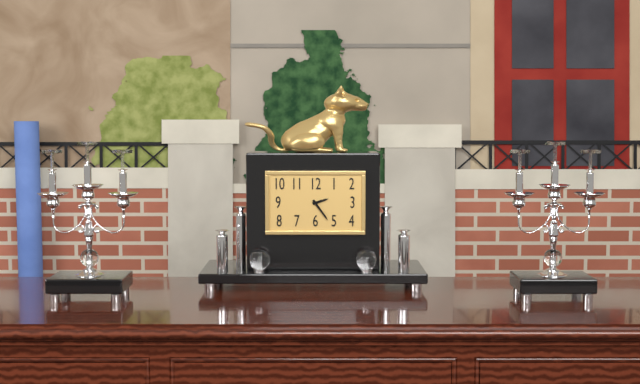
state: 2:24
